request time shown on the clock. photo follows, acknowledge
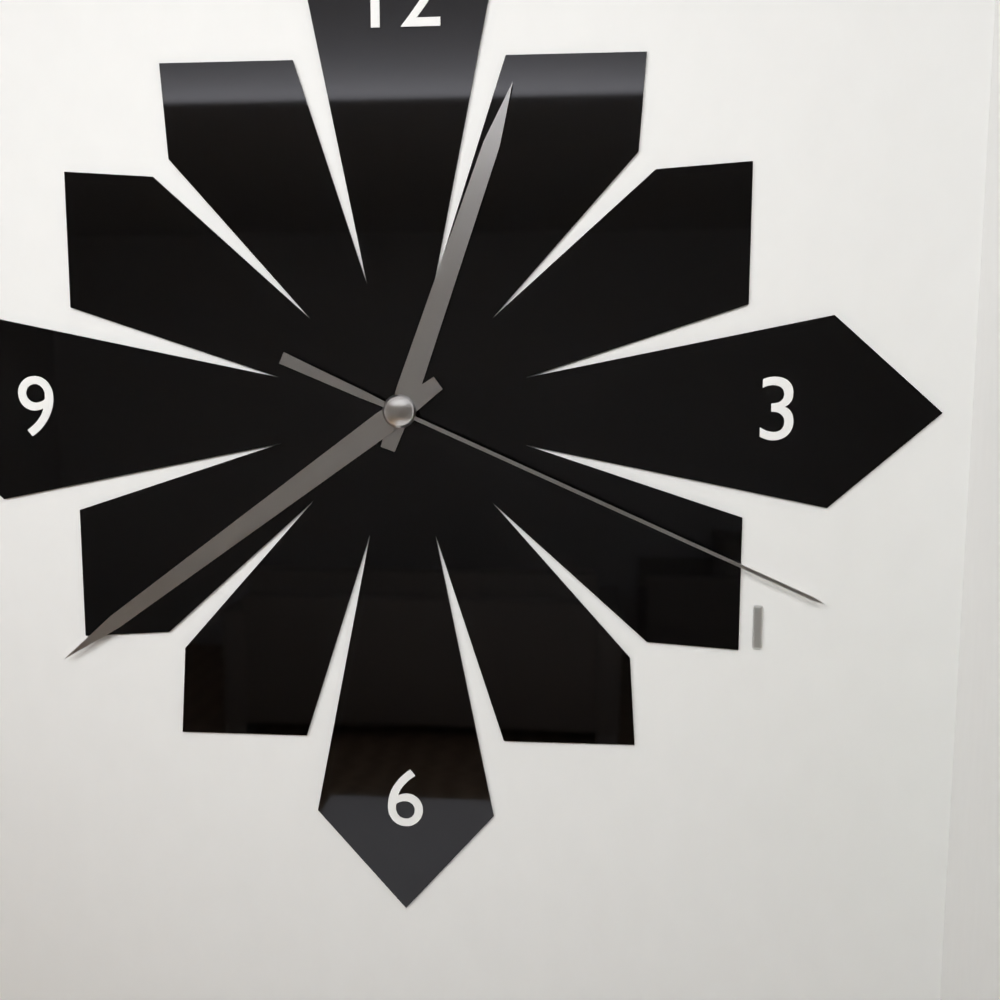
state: 12:39:19
